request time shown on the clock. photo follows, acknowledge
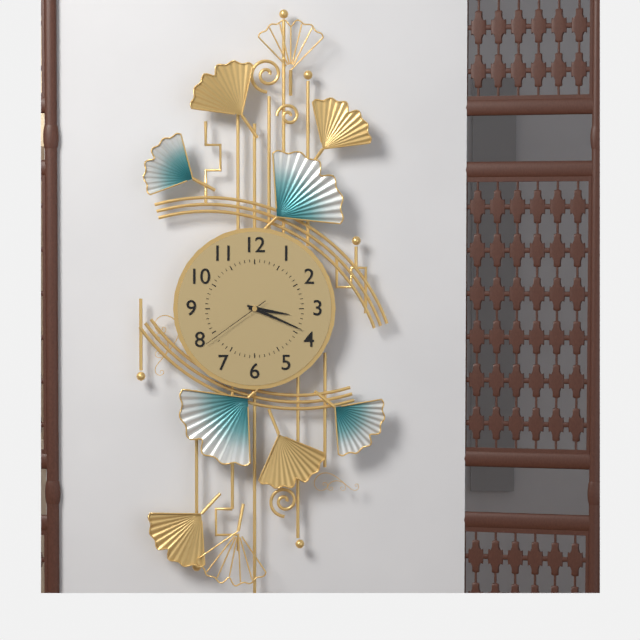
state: 3:19:39
